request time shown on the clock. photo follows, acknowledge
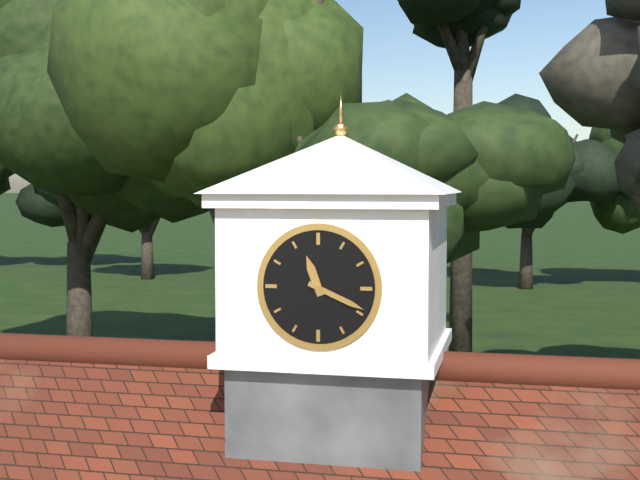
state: 11:19
